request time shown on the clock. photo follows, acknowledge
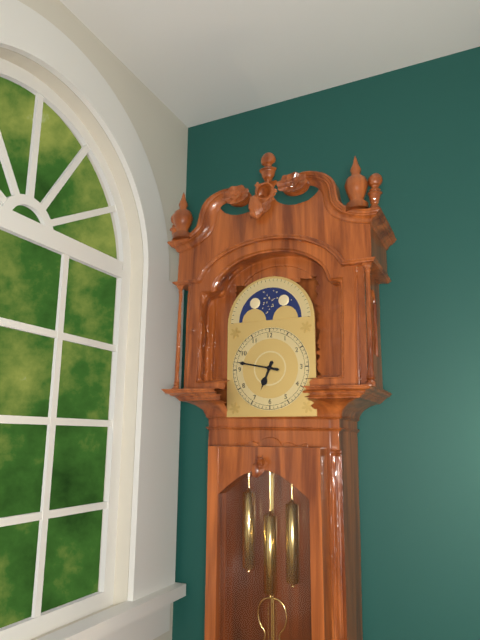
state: 6:47
